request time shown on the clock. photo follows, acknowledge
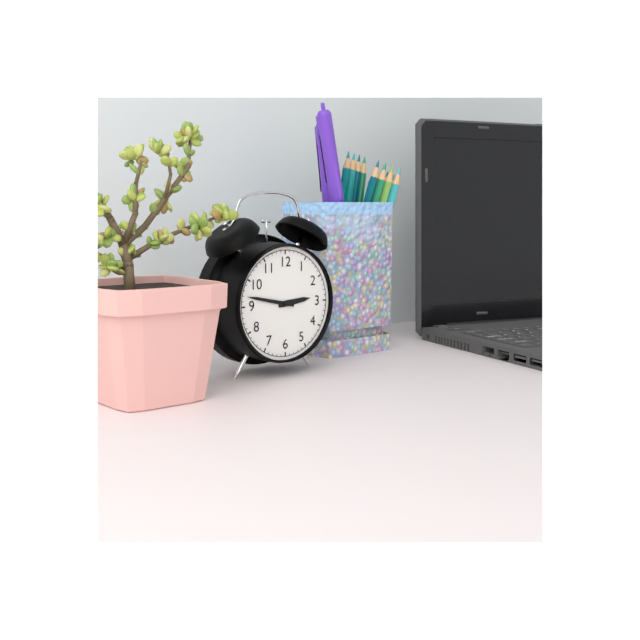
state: 2:47
